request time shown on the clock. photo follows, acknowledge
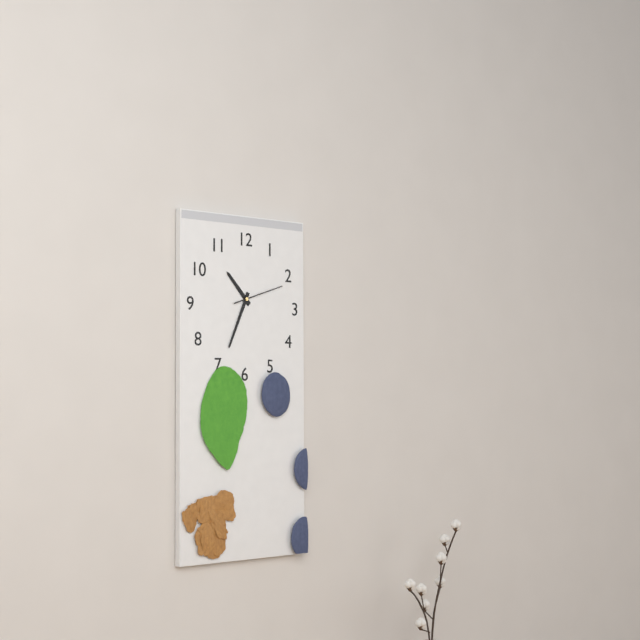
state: 10:34
